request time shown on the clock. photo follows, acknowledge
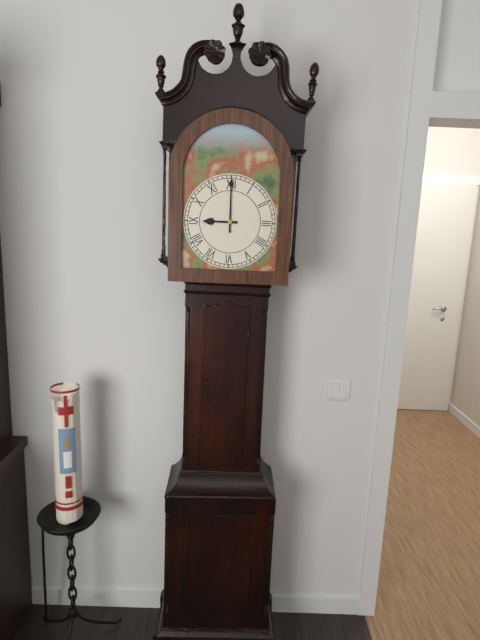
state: 9:00
